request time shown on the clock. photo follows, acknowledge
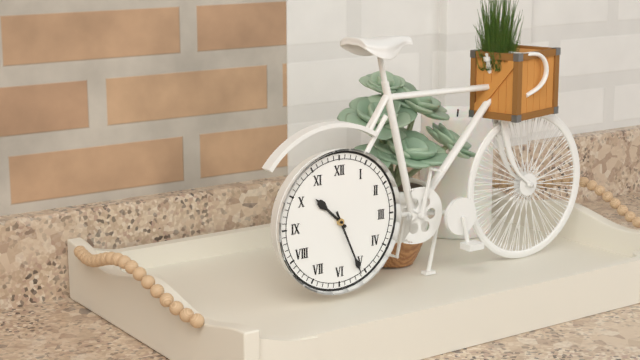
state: 10:26
